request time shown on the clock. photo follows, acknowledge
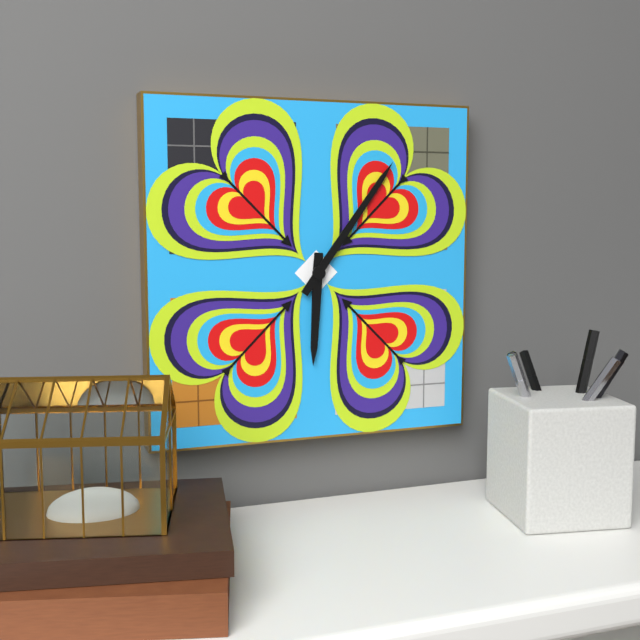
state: 6:06
